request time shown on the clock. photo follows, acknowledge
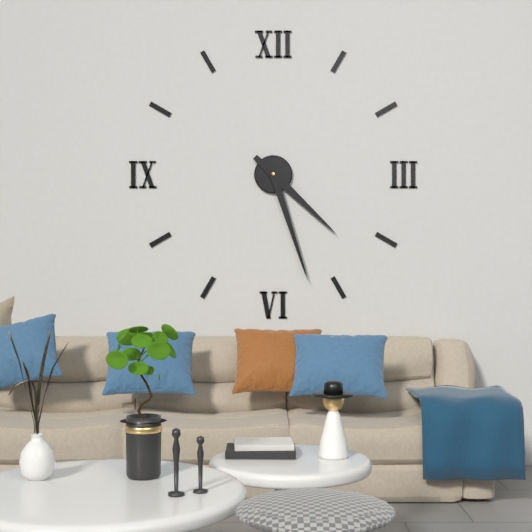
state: 4:27
